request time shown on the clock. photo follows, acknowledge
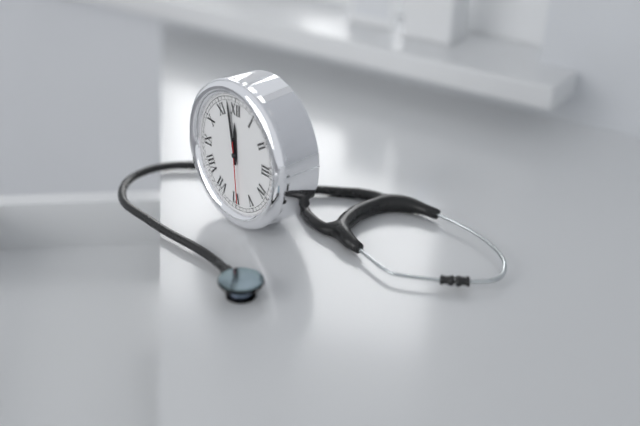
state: 11:58:29
